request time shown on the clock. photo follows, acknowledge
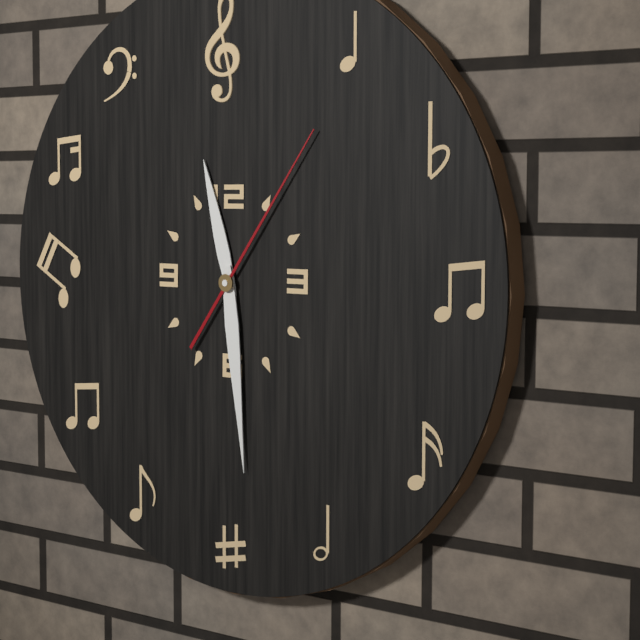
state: 11:29:06
